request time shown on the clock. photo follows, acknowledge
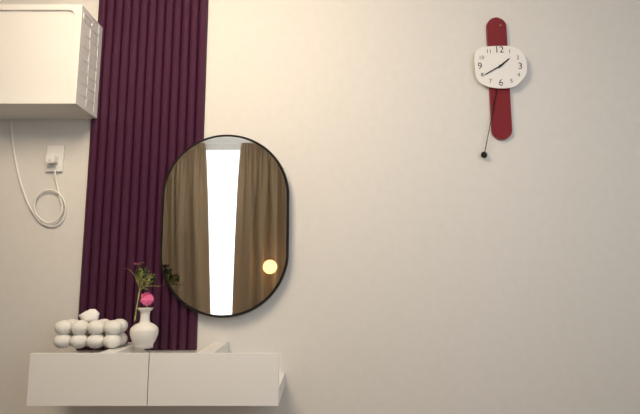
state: 1:40
